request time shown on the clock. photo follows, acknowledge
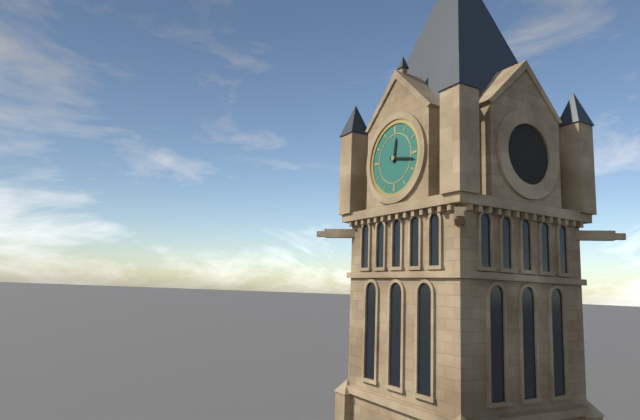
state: 12:17
